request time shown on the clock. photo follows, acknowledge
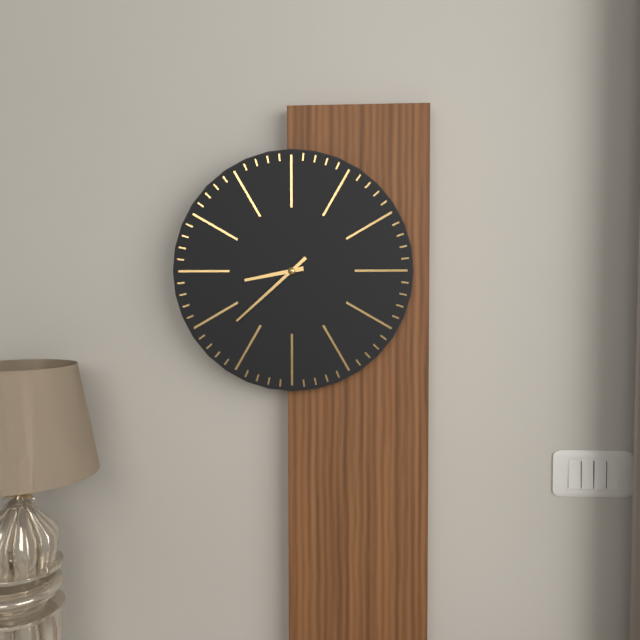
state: 8:38
